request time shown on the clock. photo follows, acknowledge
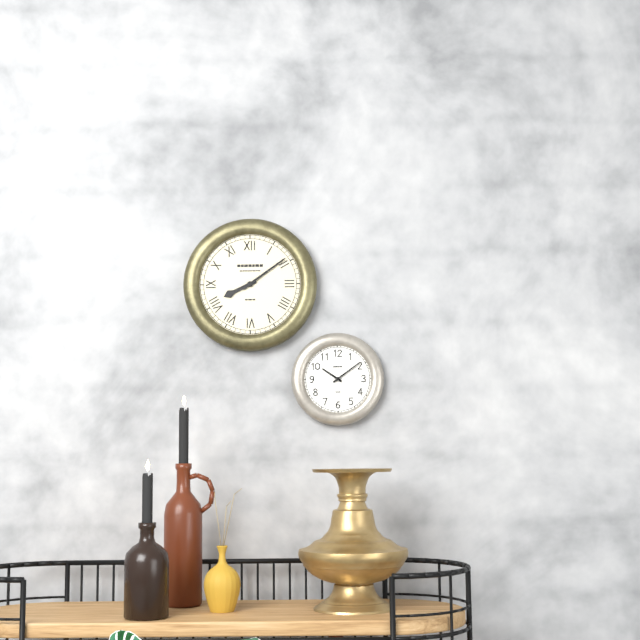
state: 8:09
